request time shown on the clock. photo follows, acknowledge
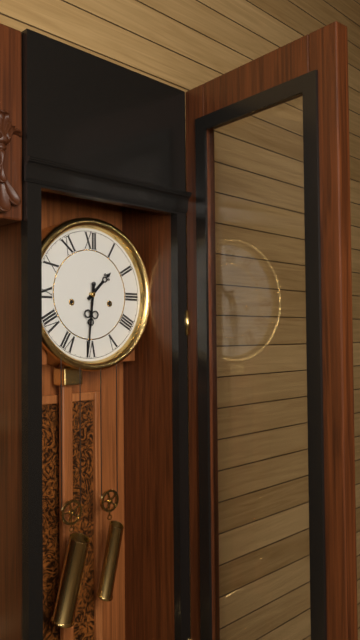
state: 1:31
